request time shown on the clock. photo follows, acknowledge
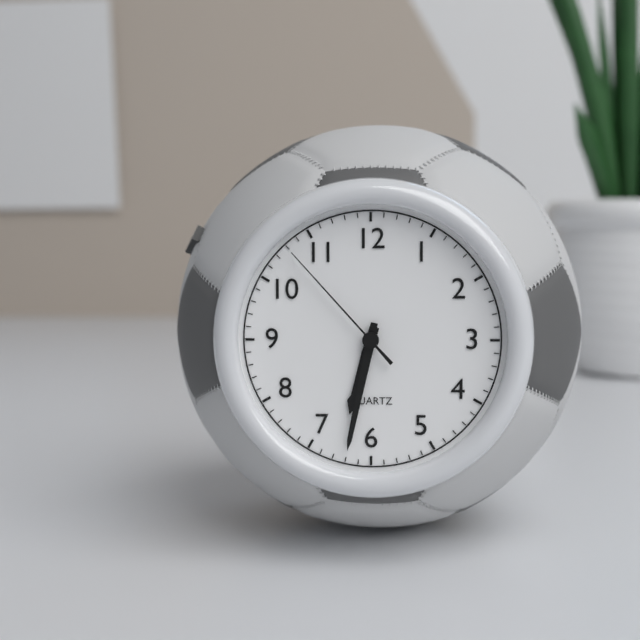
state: 6:32:53
